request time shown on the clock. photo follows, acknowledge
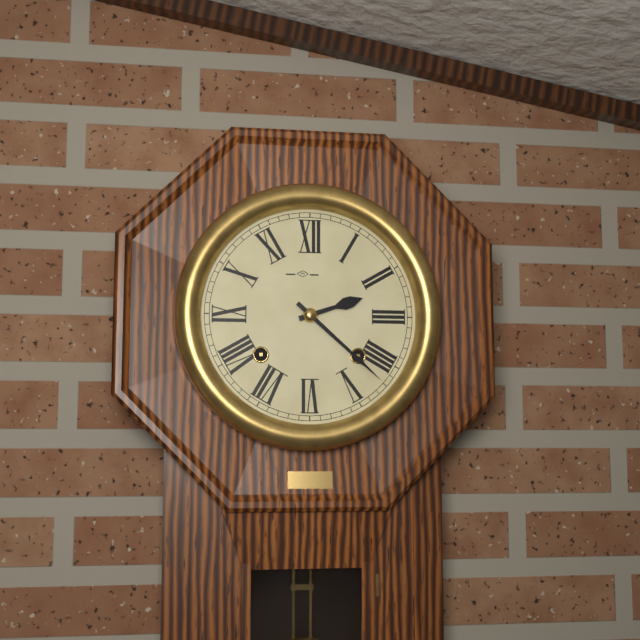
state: 2:22
